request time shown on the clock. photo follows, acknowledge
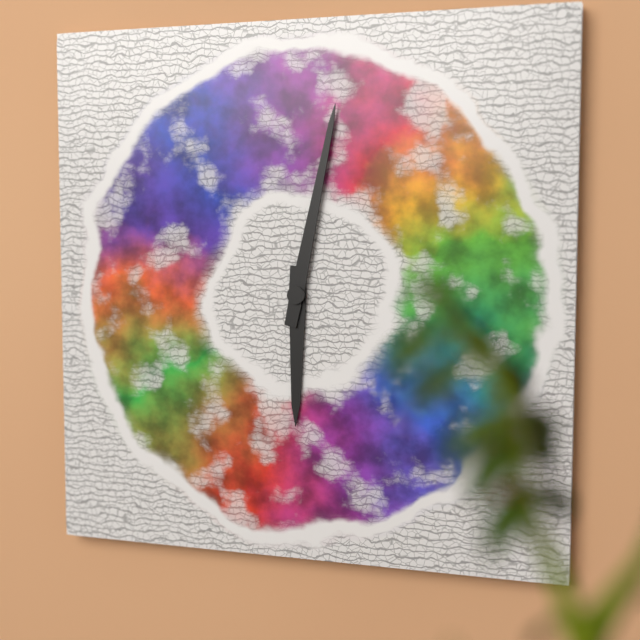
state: 6:02
